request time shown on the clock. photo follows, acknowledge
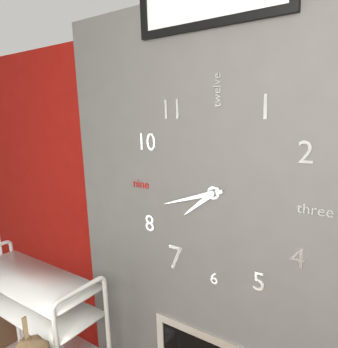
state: 7:42
